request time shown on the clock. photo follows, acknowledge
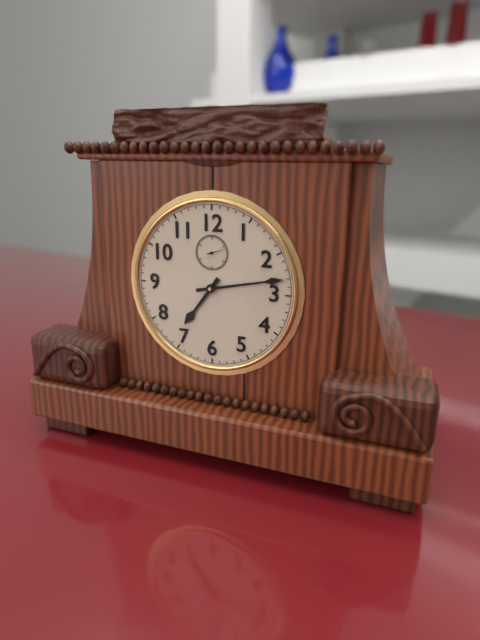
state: 7:13
